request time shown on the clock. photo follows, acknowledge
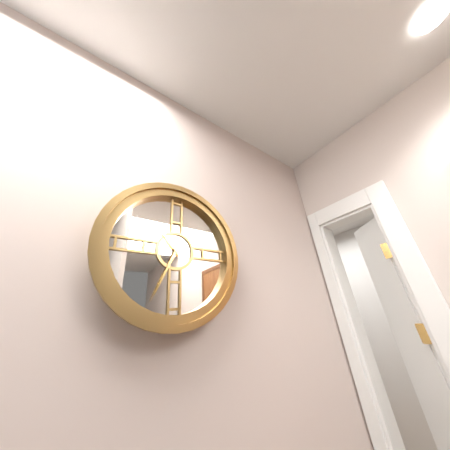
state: 10:34
